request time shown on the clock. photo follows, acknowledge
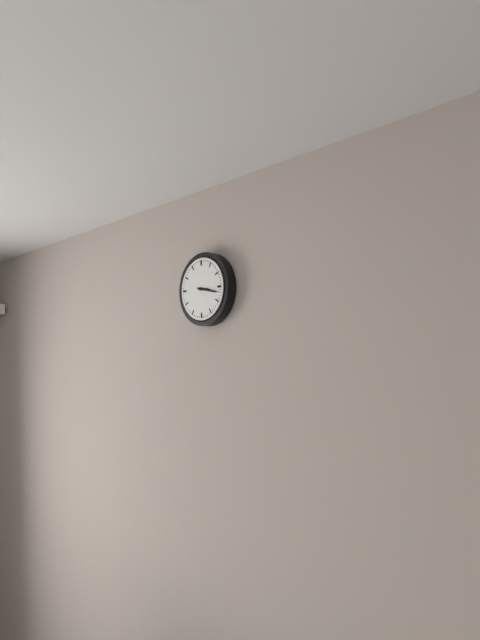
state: 3:17
